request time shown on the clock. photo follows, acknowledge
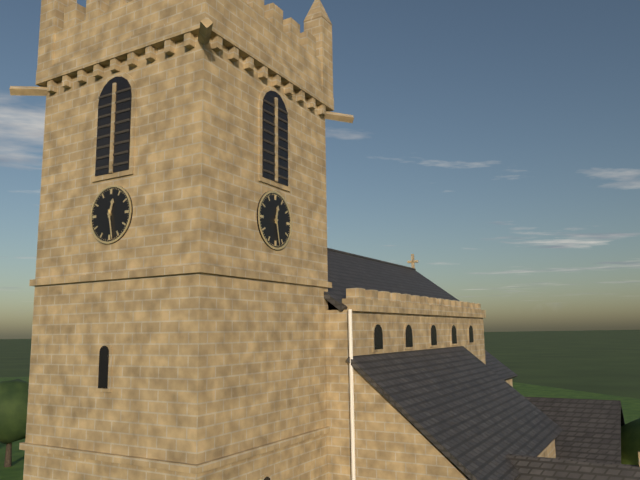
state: 12:28
